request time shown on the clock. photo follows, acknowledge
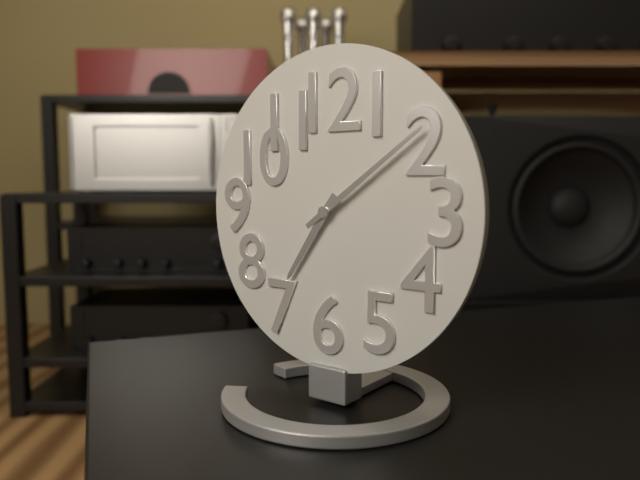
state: 7:09
